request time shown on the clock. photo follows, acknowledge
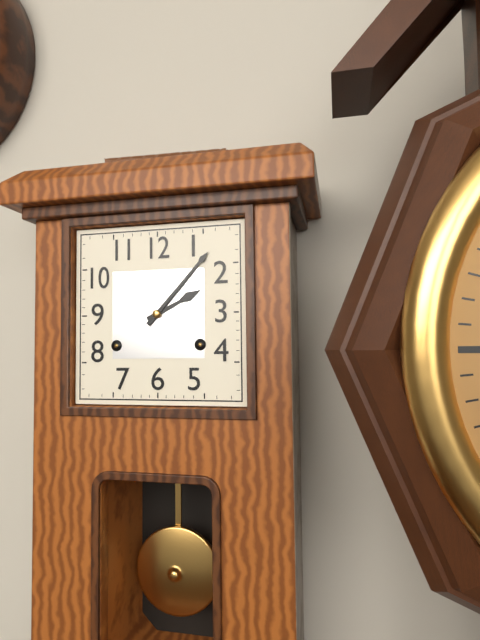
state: 2:07
